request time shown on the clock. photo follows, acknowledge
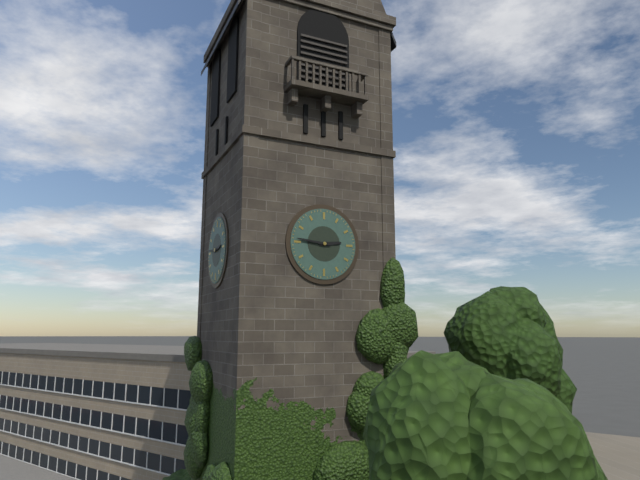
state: 2:46
